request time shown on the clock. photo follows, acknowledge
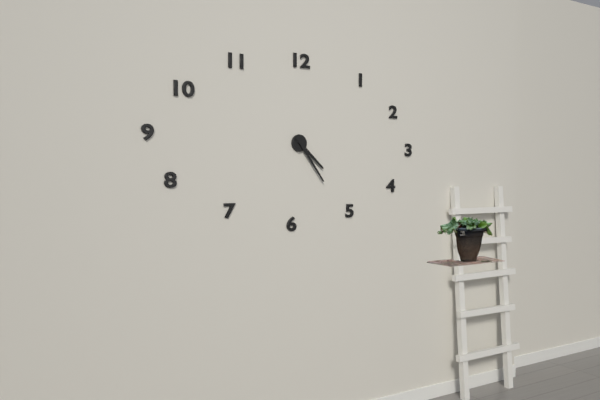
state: 4:24
